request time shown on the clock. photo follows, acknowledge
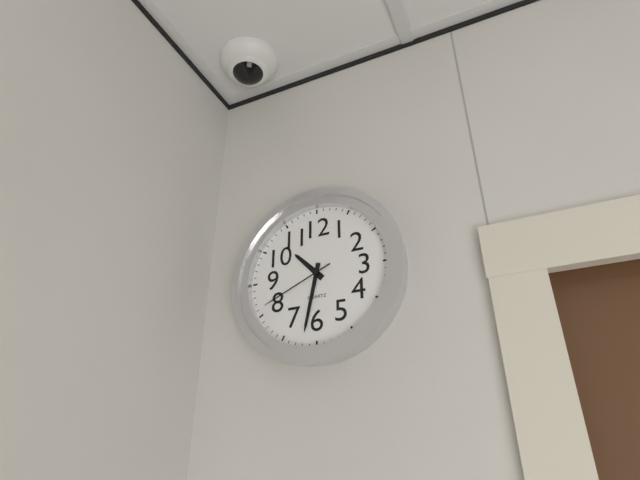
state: 10:32:41
